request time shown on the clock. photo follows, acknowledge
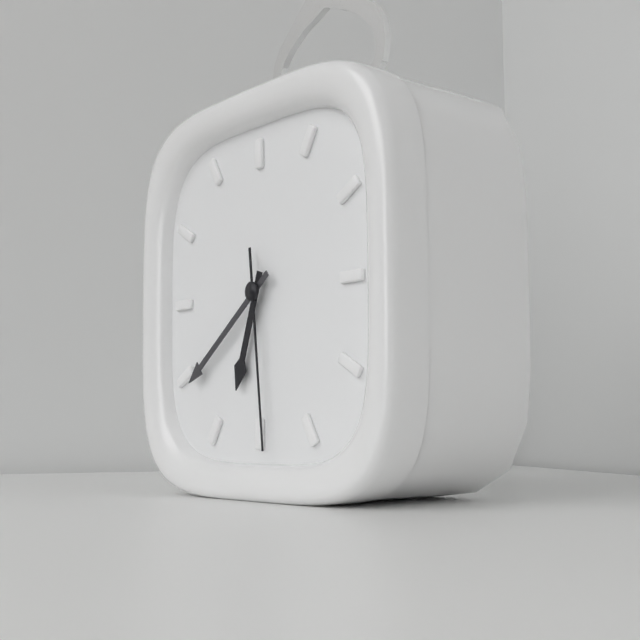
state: 6:39:29
